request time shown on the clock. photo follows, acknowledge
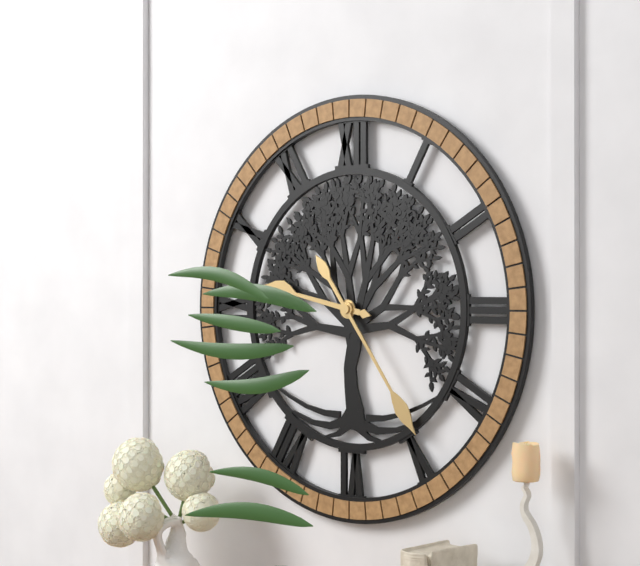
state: 9:24
